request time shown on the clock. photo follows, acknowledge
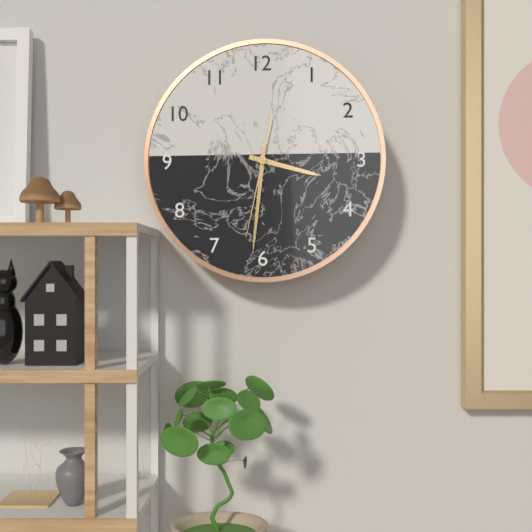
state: 3:31:32
